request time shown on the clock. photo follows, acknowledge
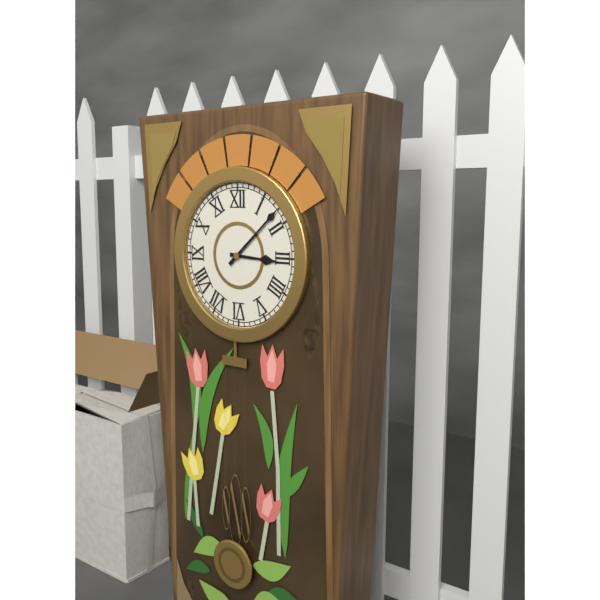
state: 3:08
